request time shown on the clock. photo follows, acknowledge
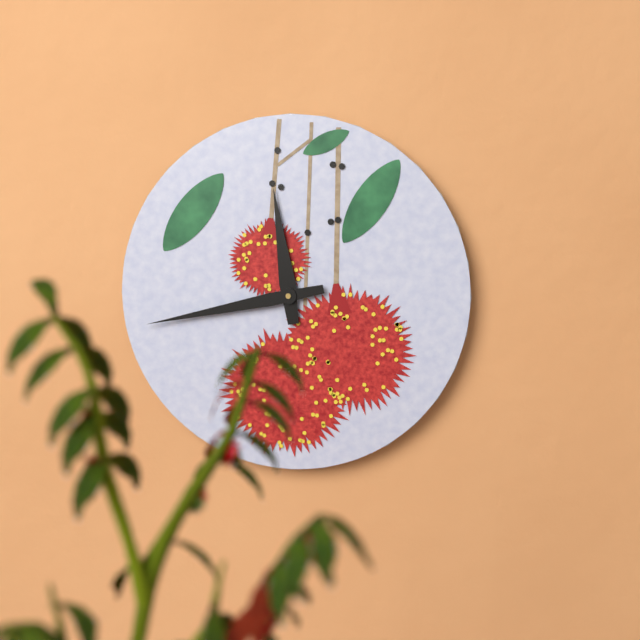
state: 11:43
